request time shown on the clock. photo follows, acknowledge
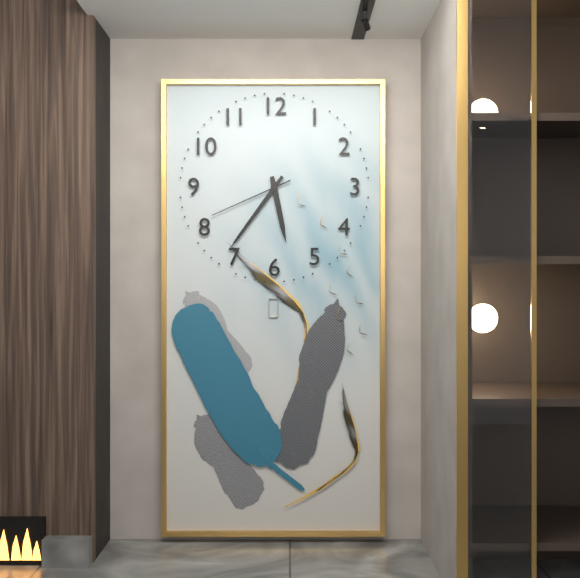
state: 5:36:41
